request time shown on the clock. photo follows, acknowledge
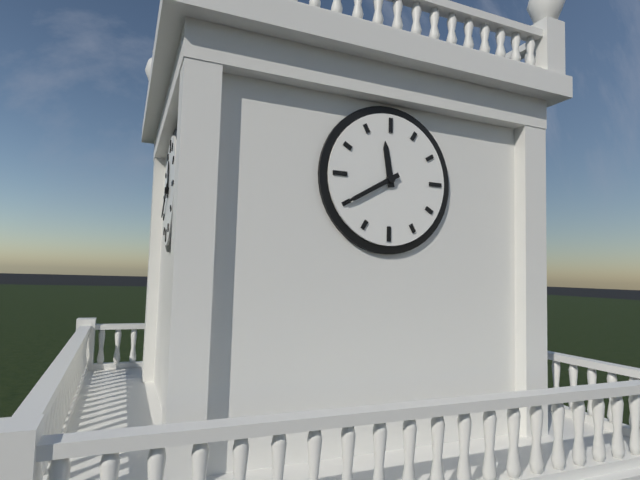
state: 11:40
